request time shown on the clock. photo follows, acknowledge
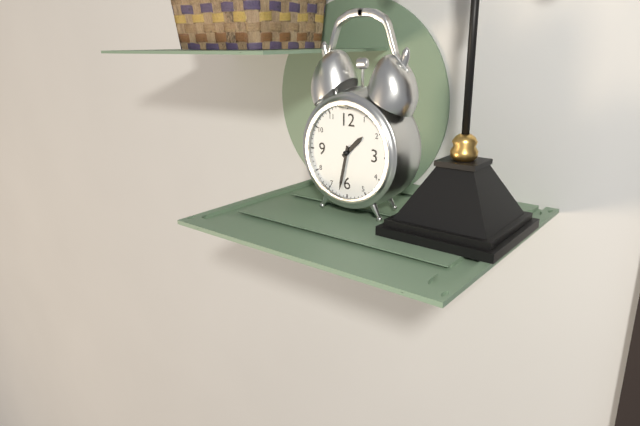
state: 1:32
